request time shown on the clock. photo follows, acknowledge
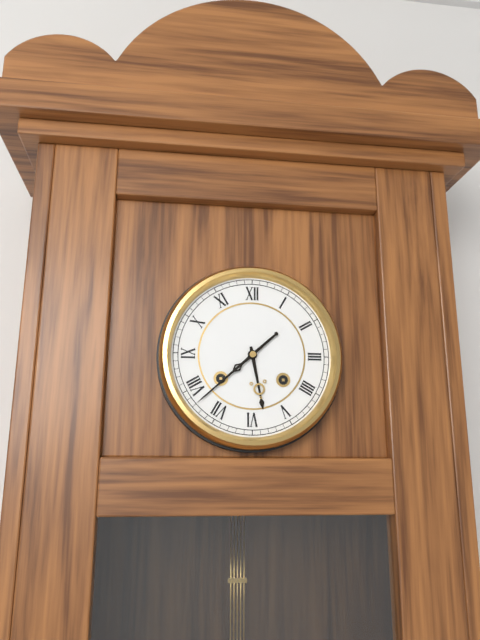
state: 5:38
